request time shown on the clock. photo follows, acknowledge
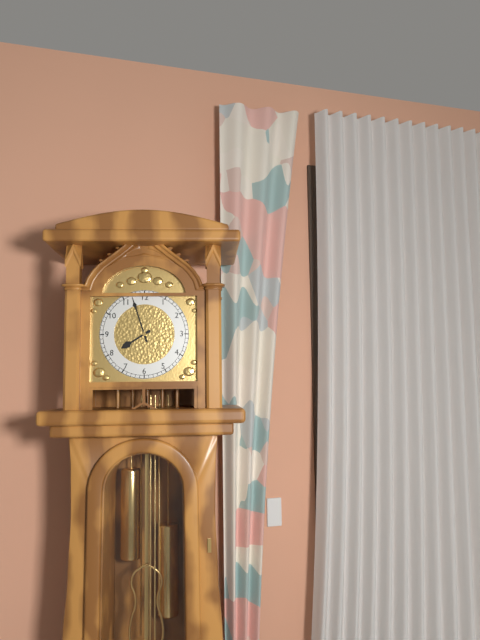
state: 7:57
